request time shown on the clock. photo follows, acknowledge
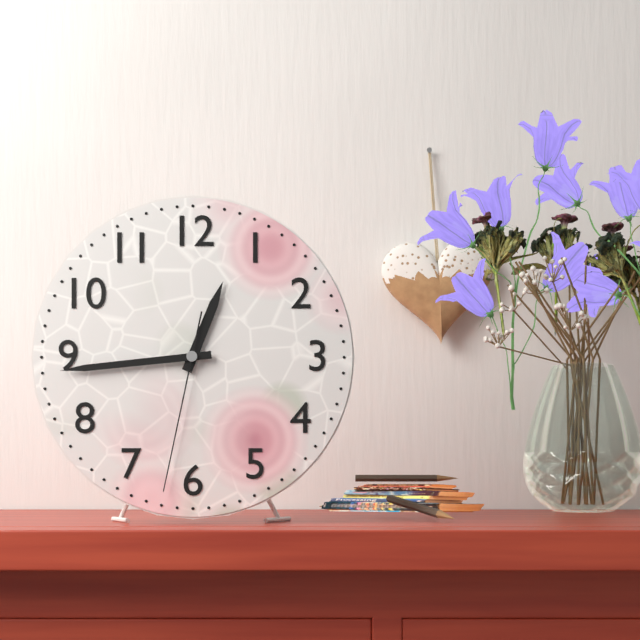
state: 12:44:32
